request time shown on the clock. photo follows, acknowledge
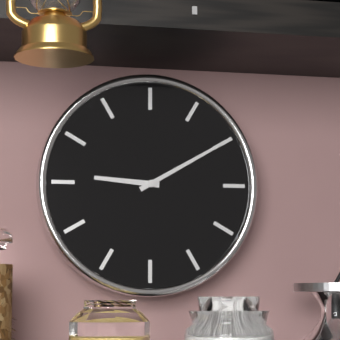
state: 9:10
